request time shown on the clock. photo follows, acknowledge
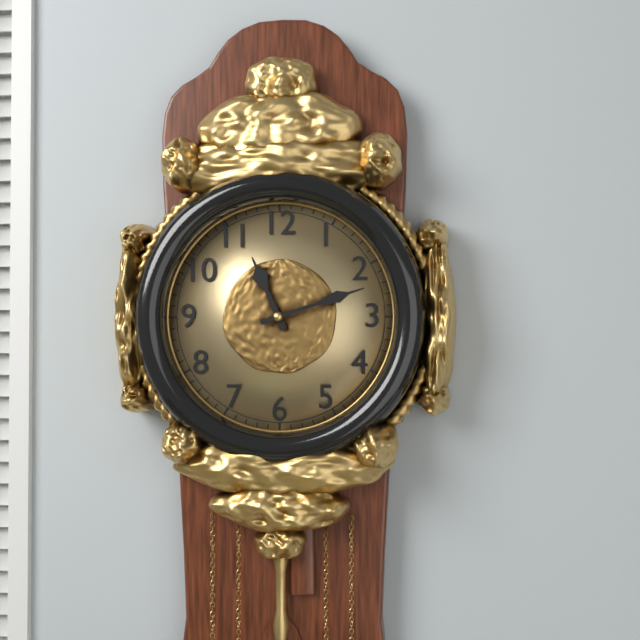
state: 11:12
